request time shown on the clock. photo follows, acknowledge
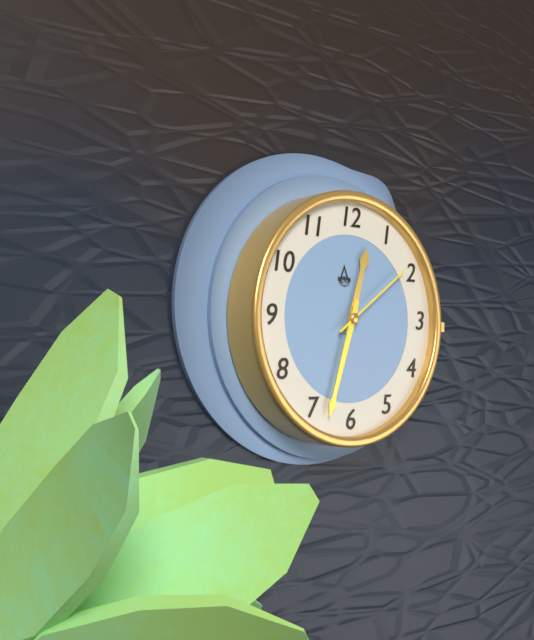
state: 12:33:09
